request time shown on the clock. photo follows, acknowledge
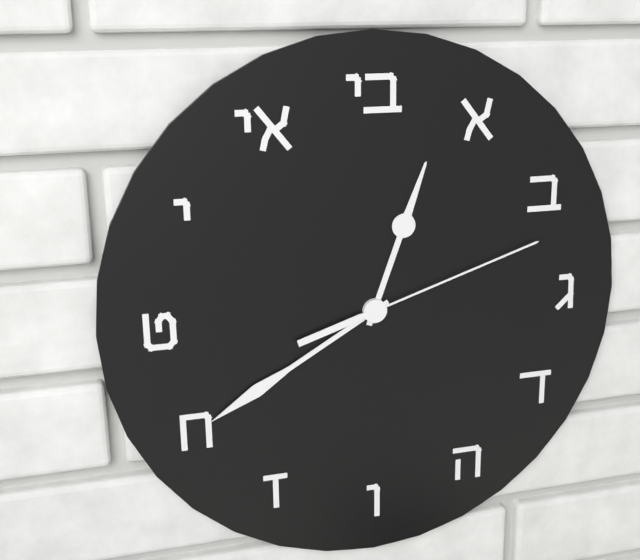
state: 12:40:12
